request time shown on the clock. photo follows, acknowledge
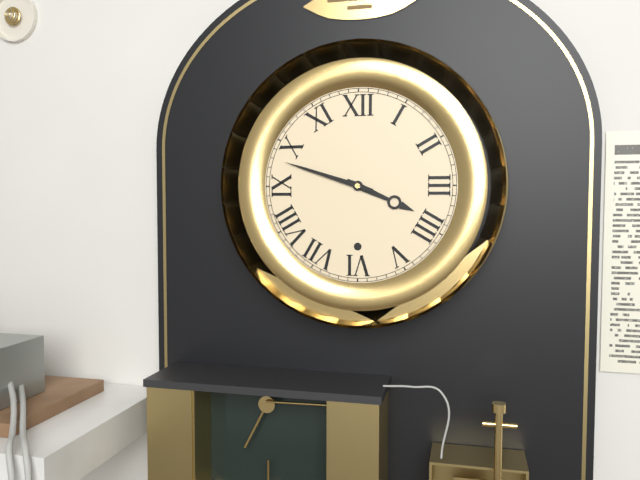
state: 3:48
